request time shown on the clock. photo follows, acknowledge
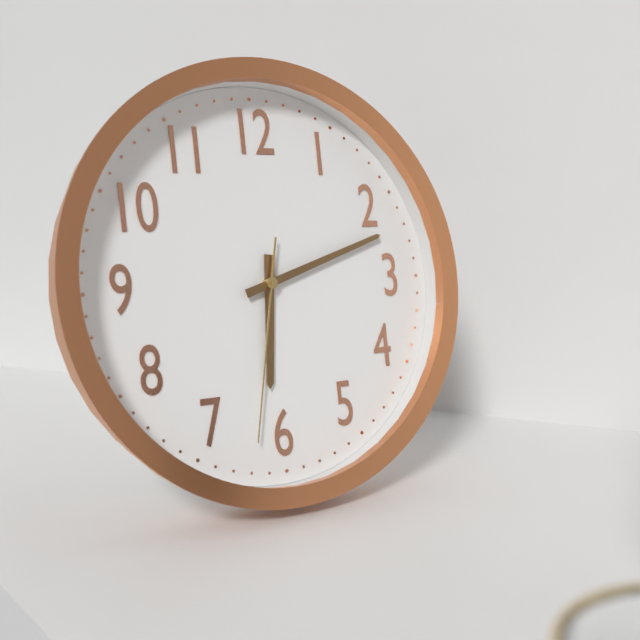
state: 6:12:32
